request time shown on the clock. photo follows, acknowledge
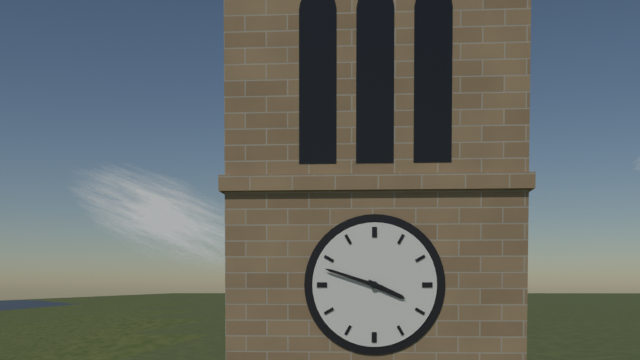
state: 3:48
